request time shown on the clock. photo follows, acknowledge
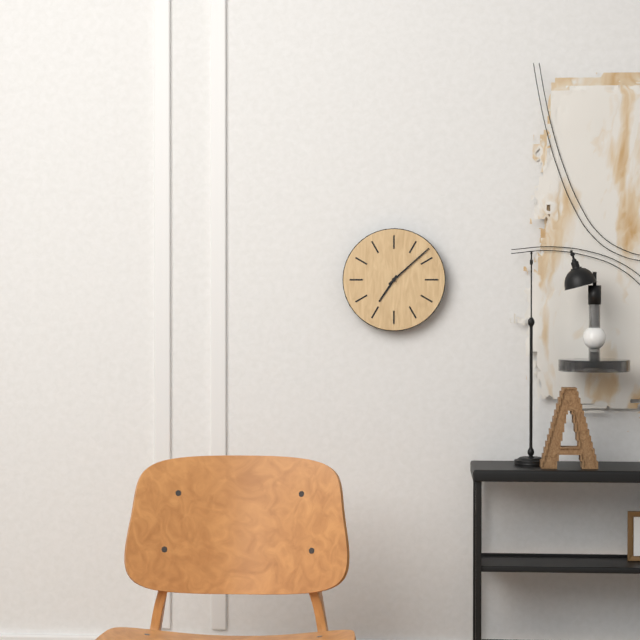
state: 7:08
